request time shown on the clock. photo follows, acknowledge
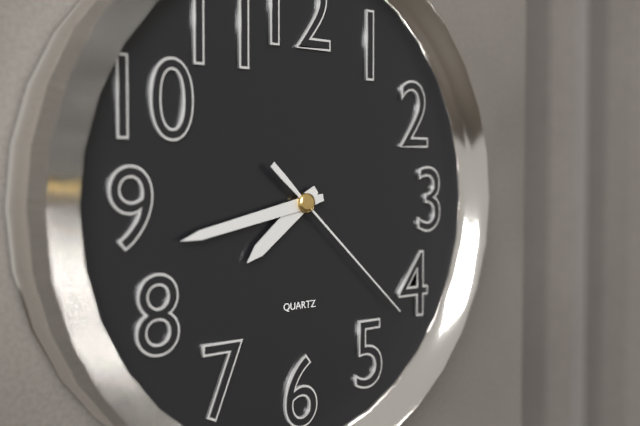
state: 7:43:22
